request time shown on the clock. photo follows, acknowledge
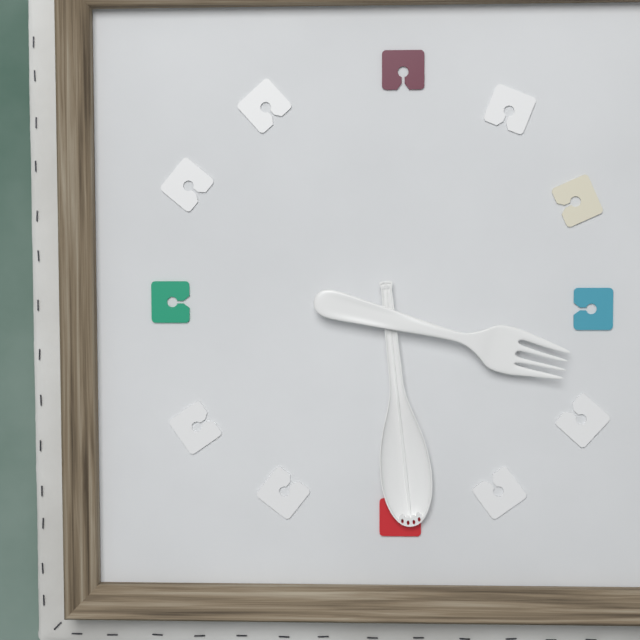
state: 3:29
